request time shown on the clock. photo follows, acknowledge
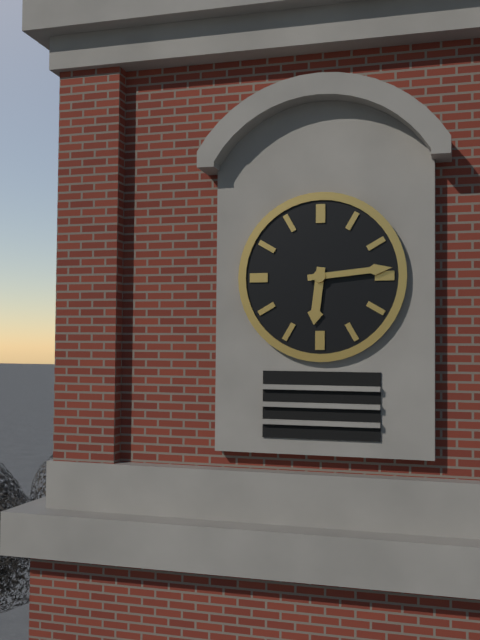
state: 6:14
